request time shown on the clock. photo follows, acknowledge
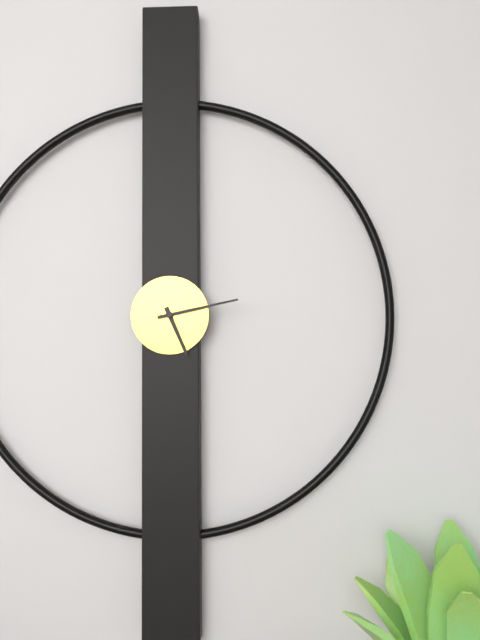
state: 5:13
